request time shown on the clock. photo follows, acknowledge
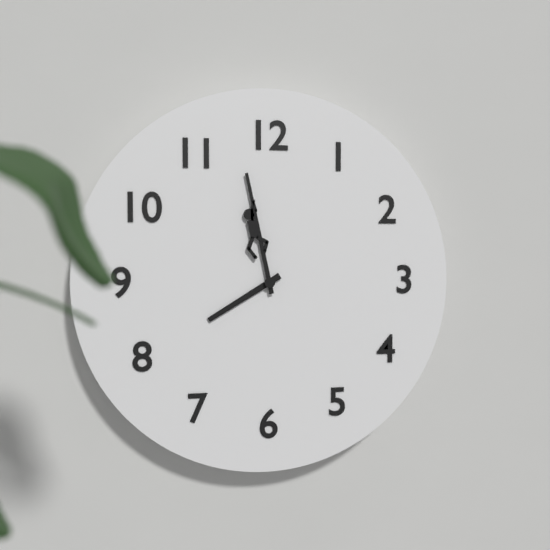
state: 7:58
